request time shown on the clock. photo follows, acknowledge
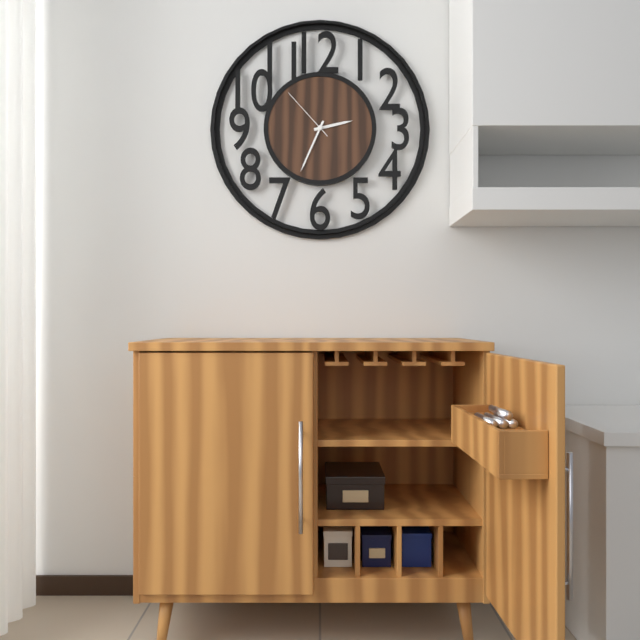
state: 2:34:53
